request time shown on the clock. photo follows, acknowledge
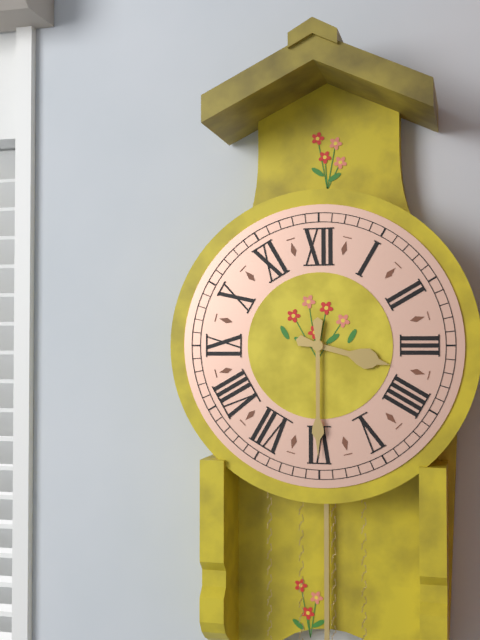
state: 3:30
